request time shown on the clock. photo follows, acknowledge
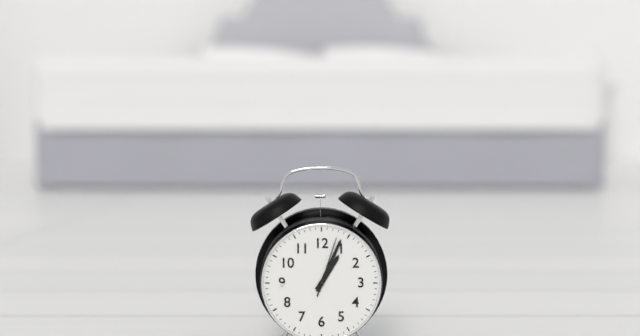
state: 1:04:03
